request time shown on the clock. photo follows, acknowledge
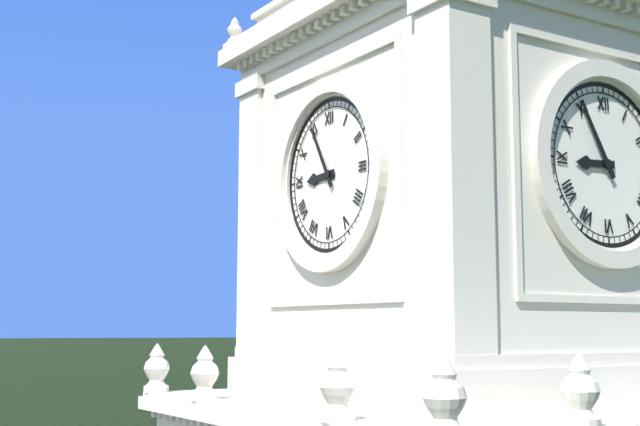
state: 8:55
